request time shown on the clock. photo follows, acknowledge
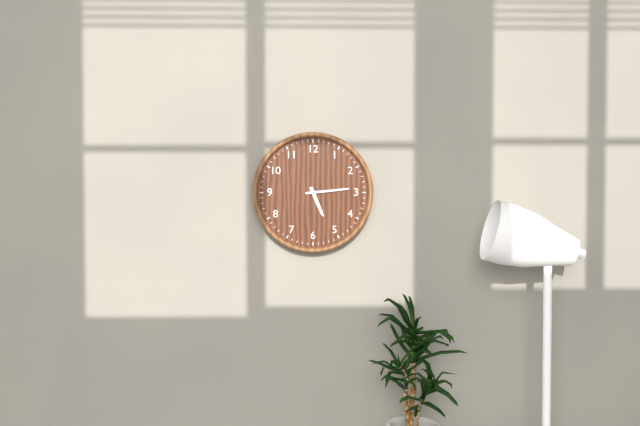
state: 5:14
